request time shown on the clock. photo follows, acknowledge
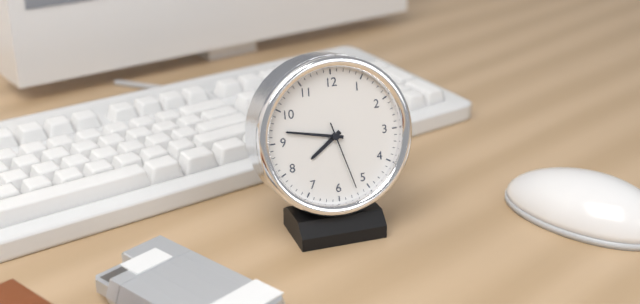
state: 7:47:27
